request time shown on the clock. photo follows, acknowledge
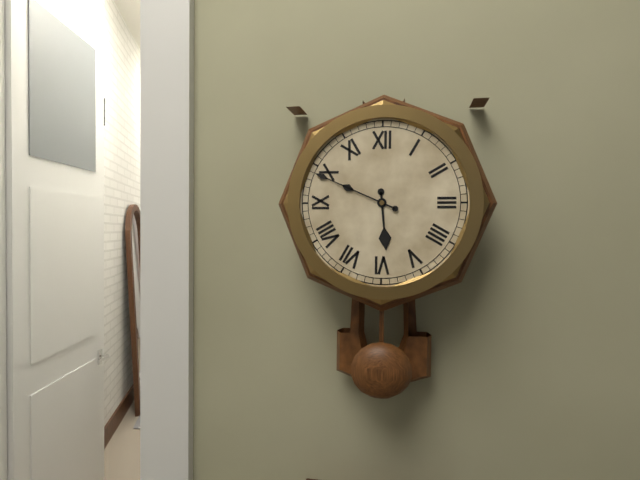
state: 5:49
